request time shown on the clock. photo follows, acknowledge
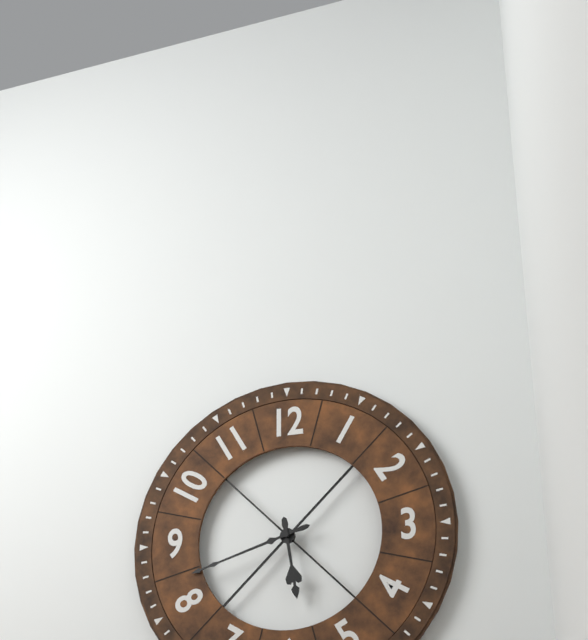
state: 5:42
